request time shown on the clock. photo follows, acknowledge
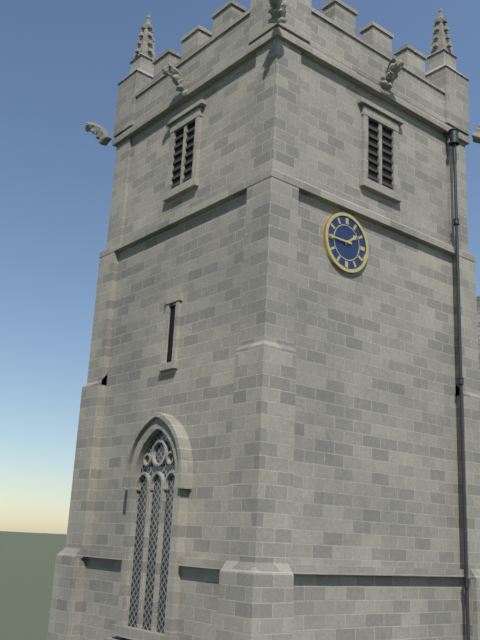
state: 1:45
